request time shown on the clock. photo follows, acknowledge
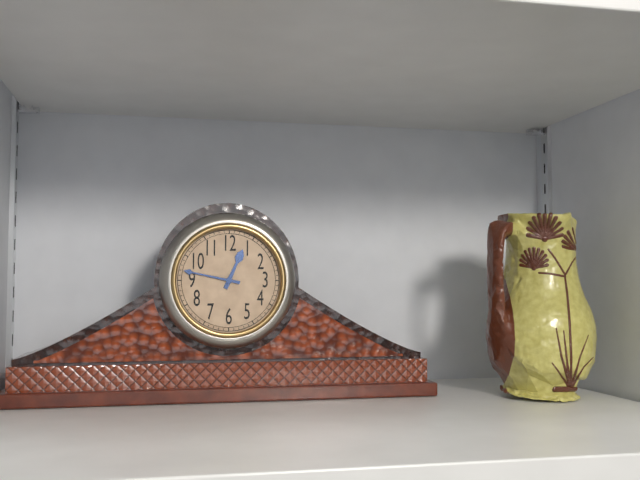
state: 12:47
